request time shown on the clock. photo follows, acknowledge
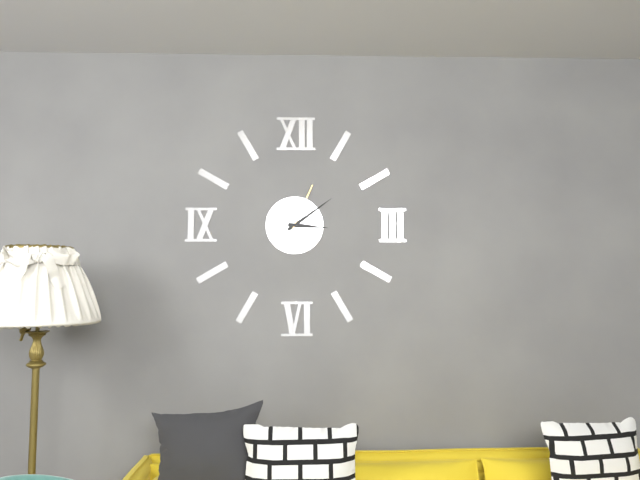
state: 3:09:04
